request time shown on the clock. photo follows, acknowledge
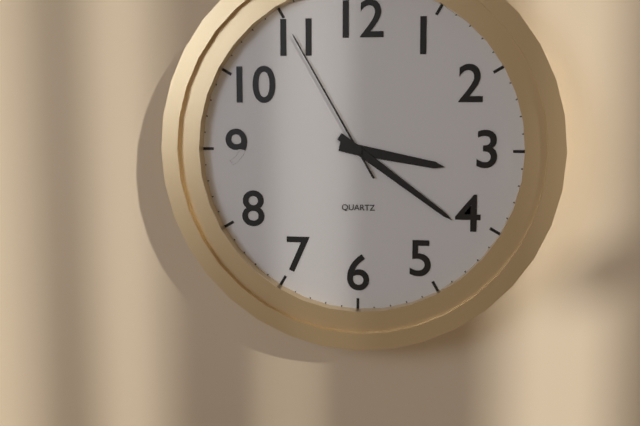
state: 3:21:55
